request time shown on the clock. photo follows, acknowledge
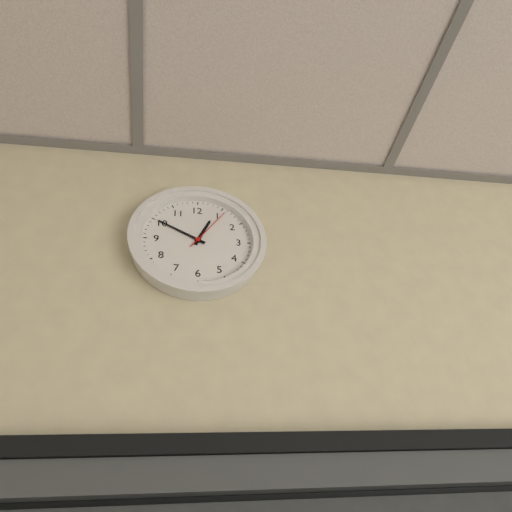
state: 12:50
